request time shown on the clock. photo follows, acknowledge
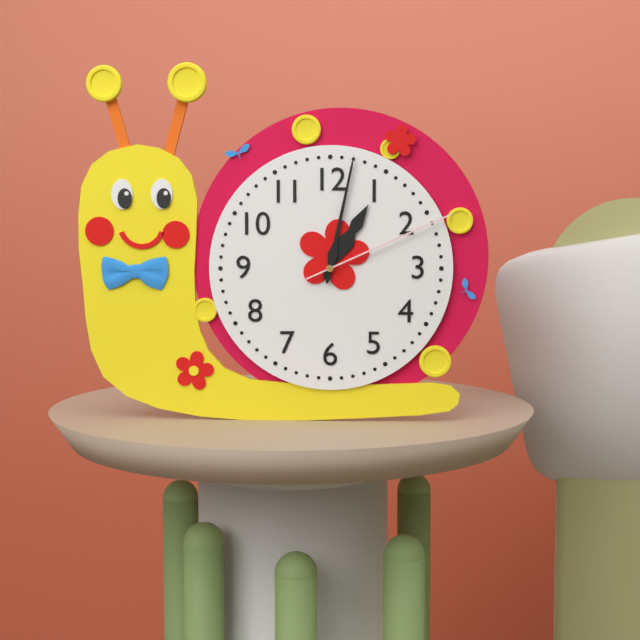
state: 1:02:11
